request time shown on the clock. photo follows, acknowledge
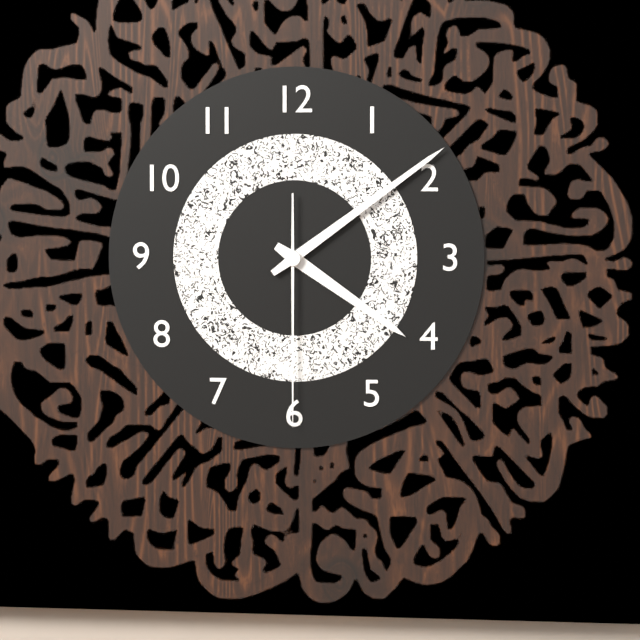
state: 4:09:30
